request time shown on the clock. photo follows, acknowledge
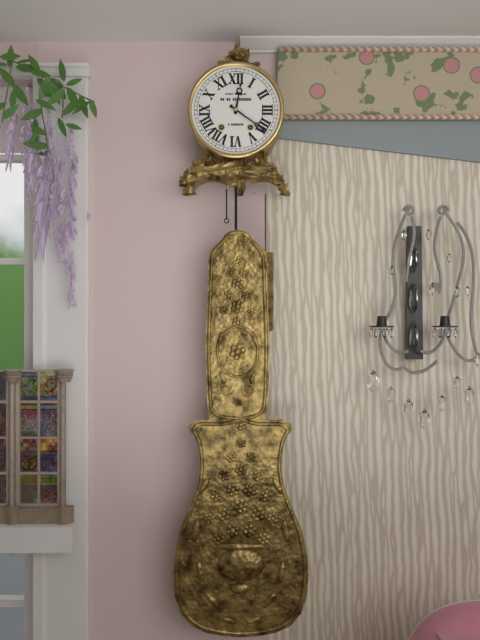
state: 12:21
